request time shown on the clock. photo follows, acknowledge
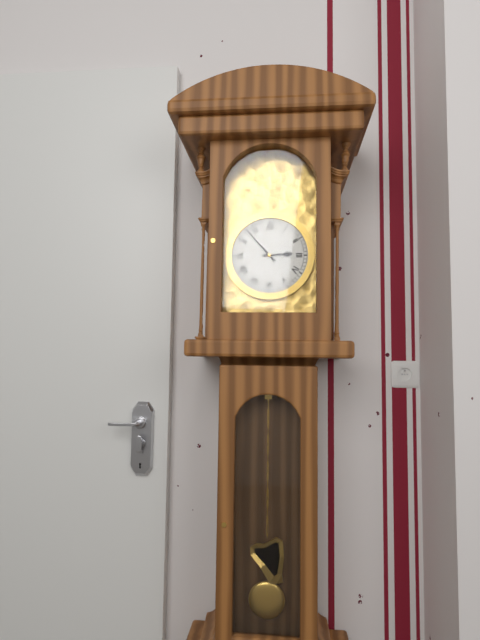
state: 2:53
